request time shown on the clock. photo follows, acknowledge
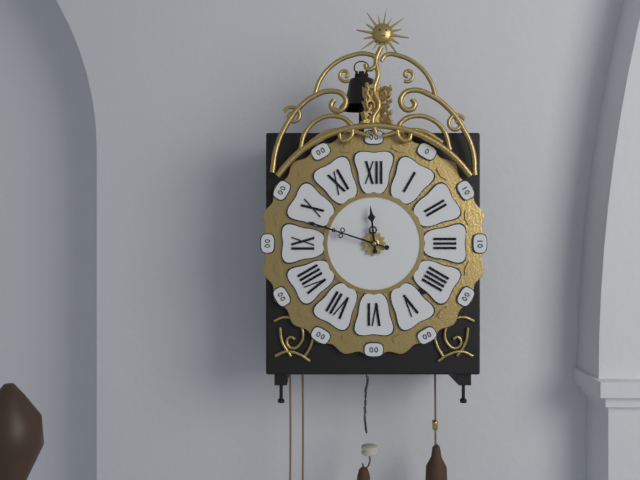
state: 11:48
